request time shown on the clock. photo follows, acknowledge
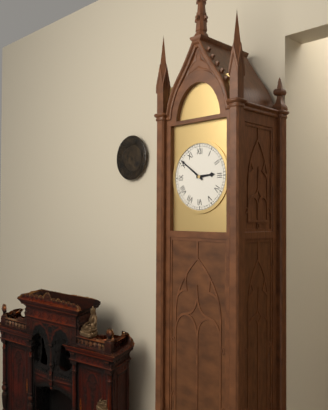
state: 2:51
